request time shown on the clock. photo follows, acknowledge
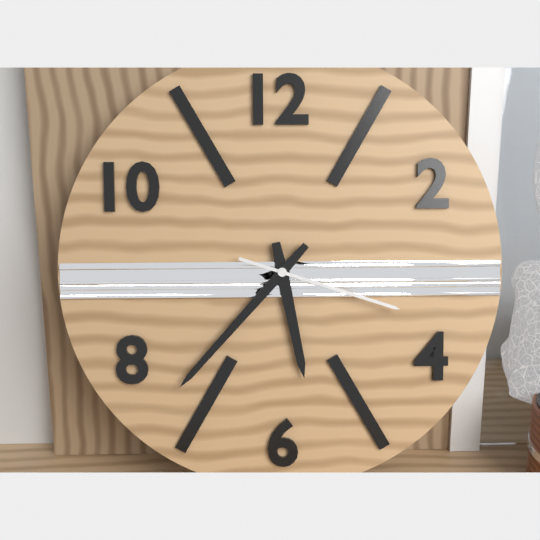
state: 5:37:18
